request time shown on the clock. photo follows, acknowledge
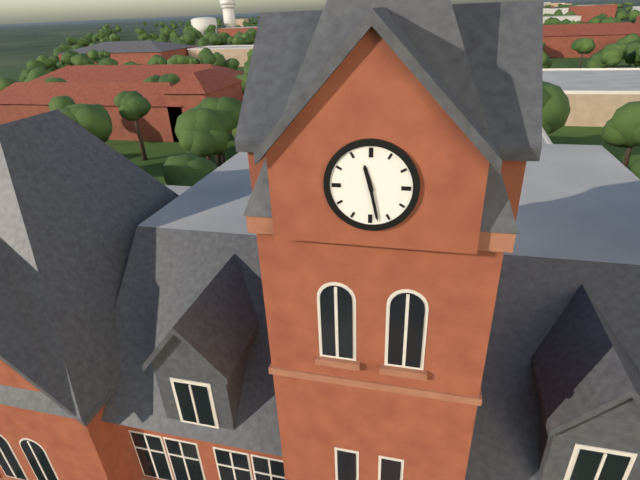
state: 11:28
